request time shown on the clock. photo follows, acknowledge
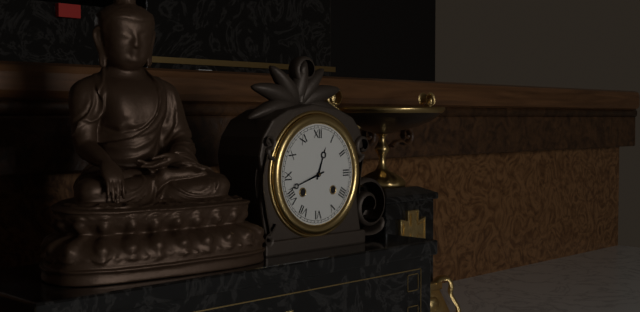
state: 12:42
